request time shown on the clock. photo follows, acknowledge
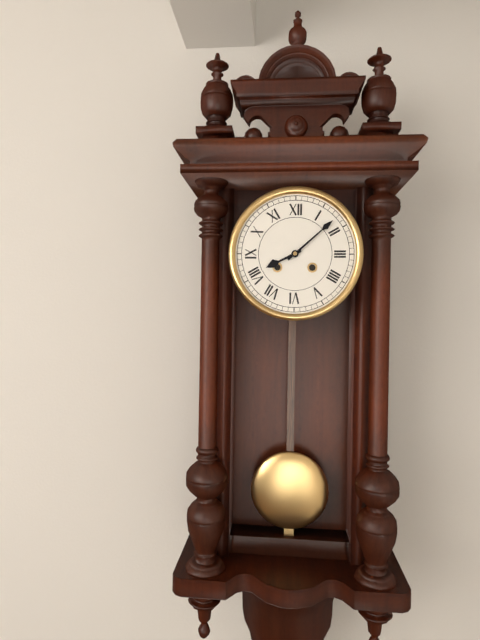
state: 8:08
